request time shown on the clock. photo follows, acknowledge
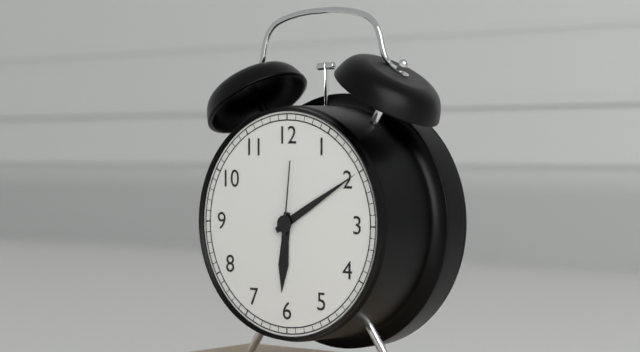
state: 6:10:01
